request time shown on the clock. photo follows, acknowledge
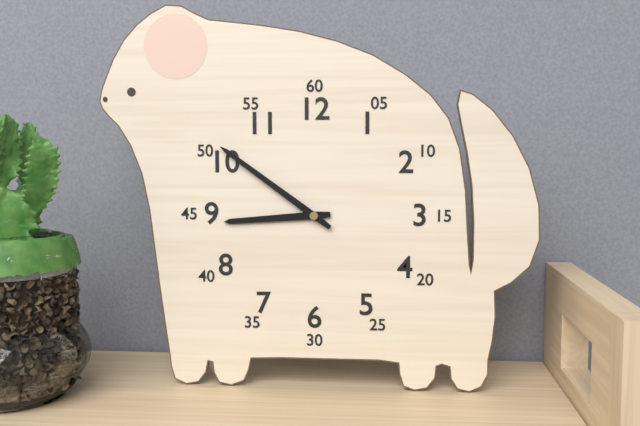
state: 8:51
